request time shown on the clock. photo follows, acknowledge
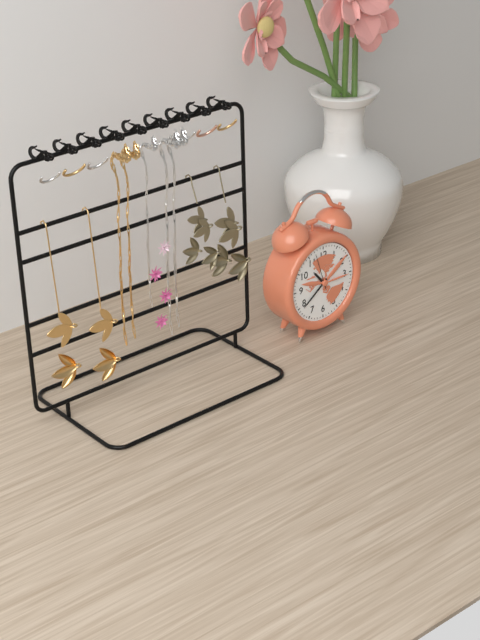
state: 10:39
